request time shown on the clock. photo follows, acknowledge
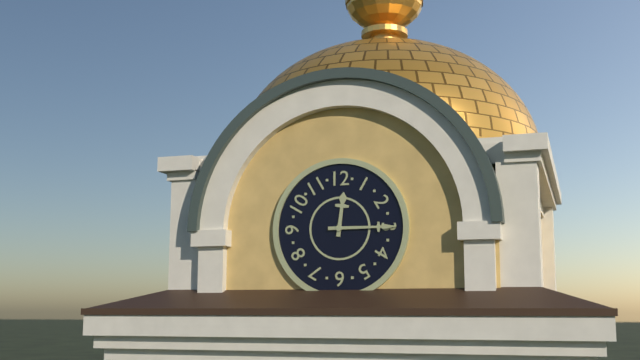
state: 12:15
